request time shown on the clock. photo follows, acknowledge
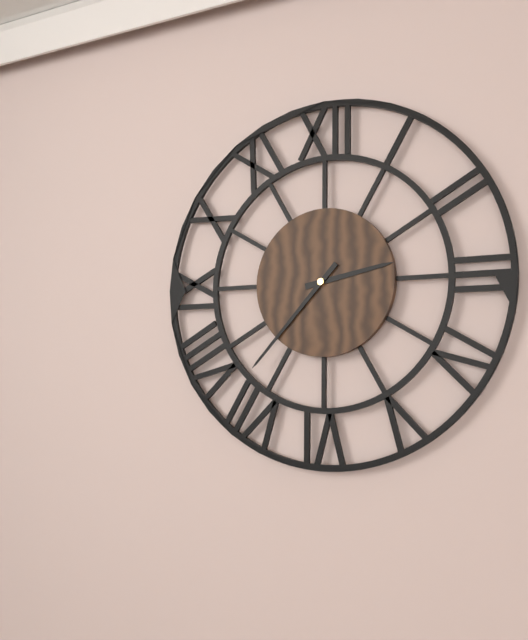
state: 2:37
